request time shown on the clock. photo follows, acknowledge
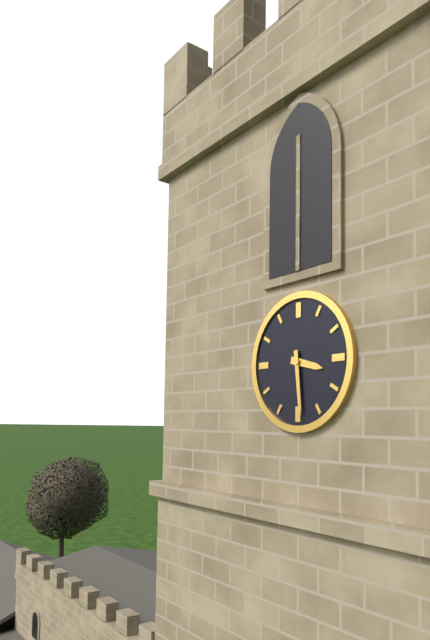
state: 3:29
